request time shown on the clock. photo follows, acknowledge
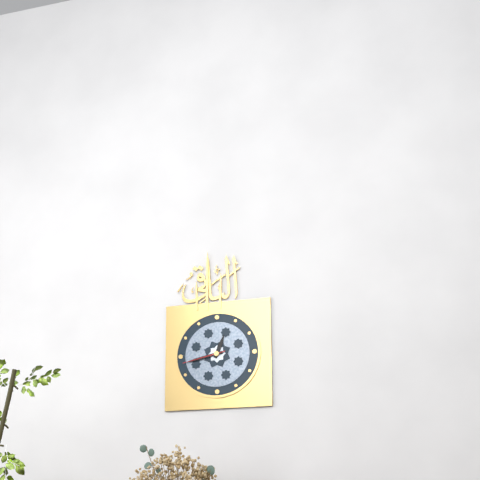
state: 12:43
